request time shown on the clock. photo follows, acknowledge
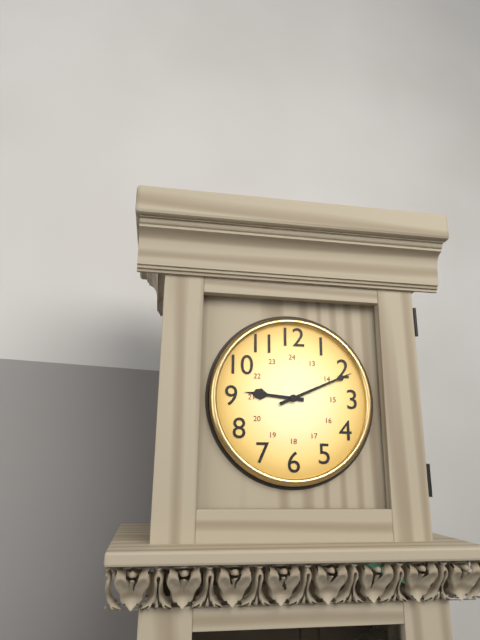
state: 9:11
